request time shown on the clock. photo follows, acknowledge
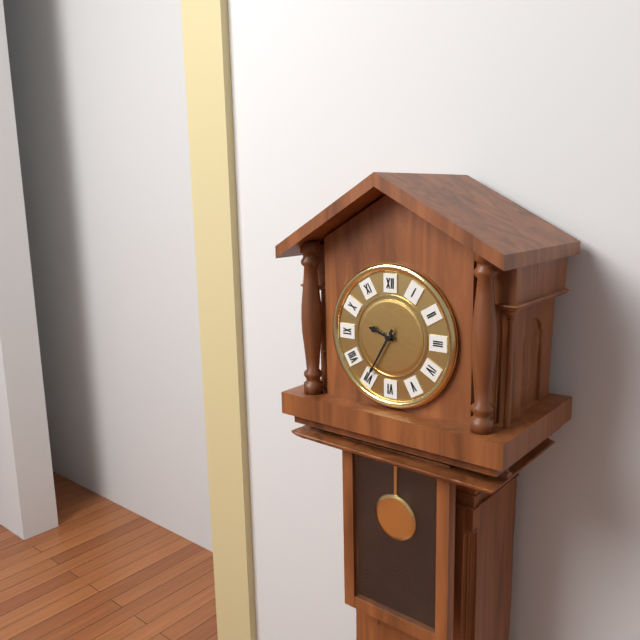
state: 9:35
